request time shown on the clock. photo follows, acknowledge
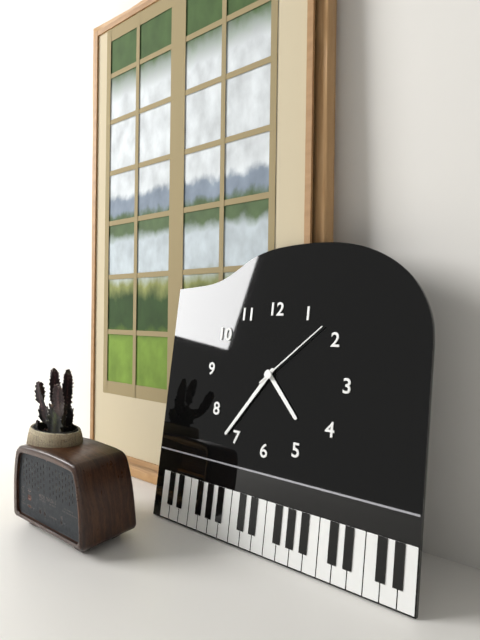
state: 4:36:08
